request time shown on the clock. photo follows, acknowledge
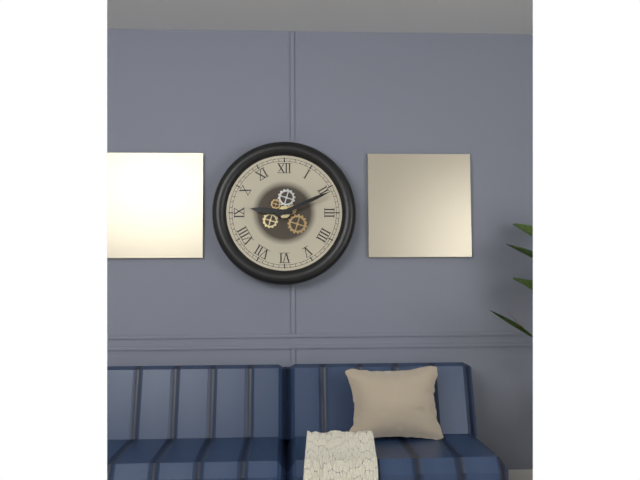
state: 9:11
